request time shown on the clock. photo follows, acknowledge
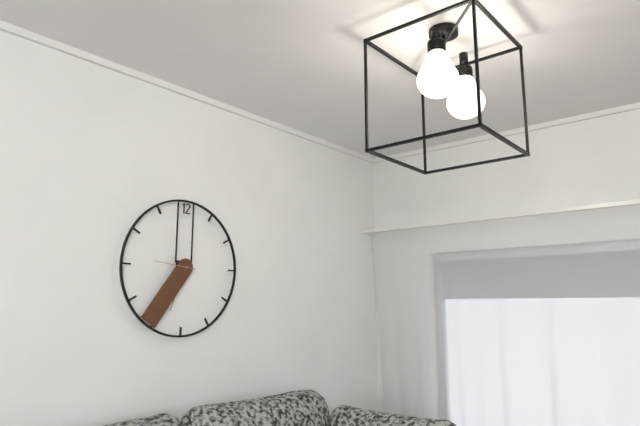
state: 6:36
